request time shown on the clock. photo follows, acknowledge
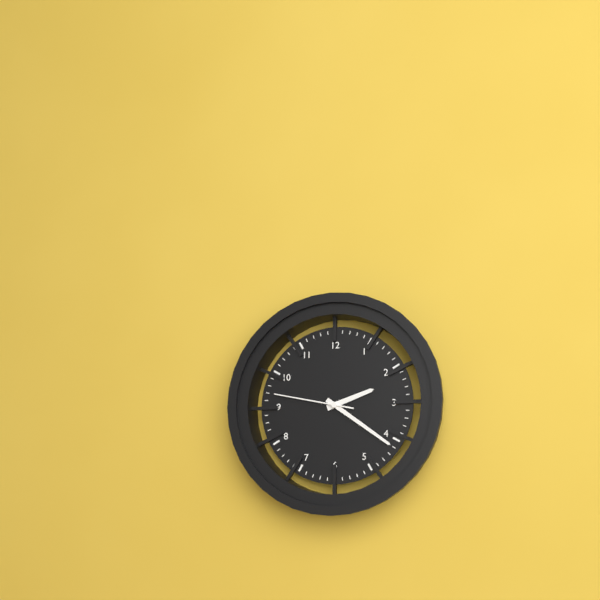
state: 2:21:47
